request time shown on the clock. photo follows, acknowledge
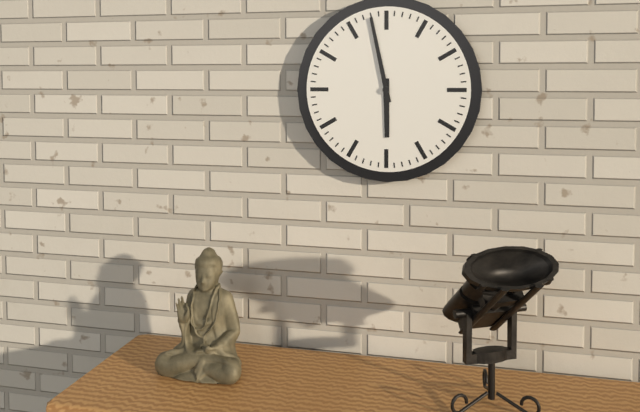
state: 5:58
